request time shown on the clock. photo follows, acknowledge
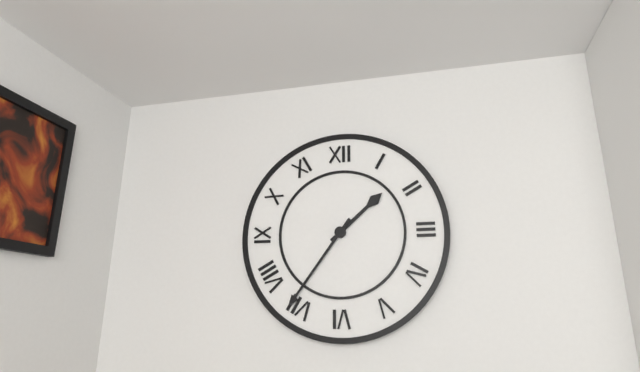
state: 1:36
